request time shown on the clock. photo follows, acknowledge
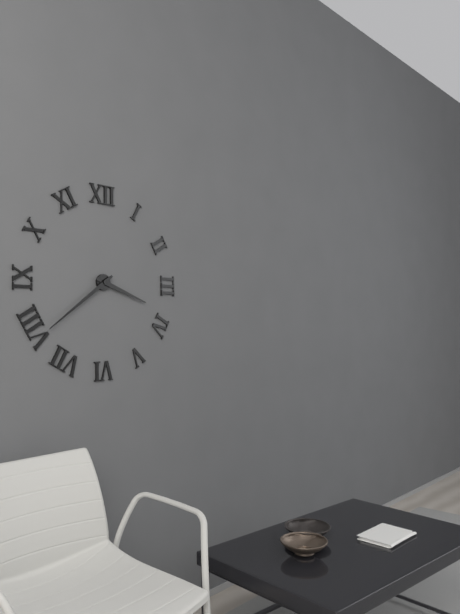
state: 3:39
